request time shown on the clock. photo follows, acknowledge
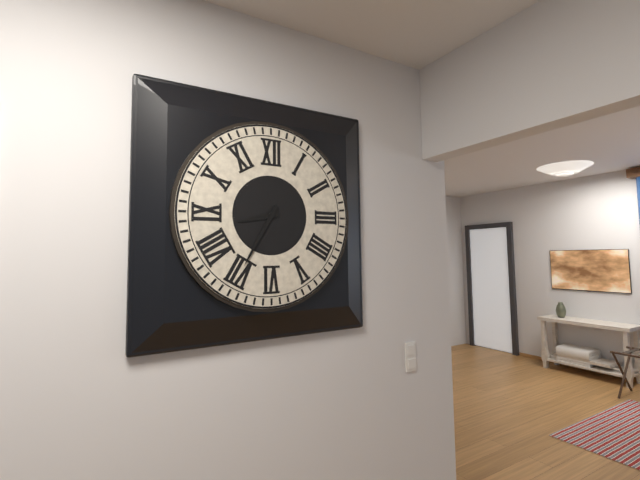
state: 8:35
